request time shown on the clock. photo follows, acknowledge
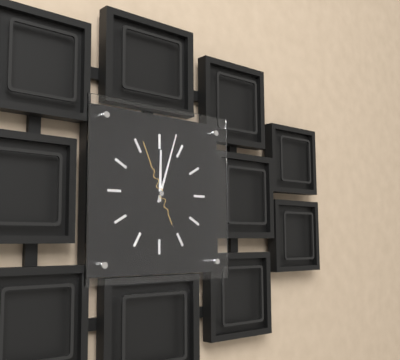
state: 12:03:56
